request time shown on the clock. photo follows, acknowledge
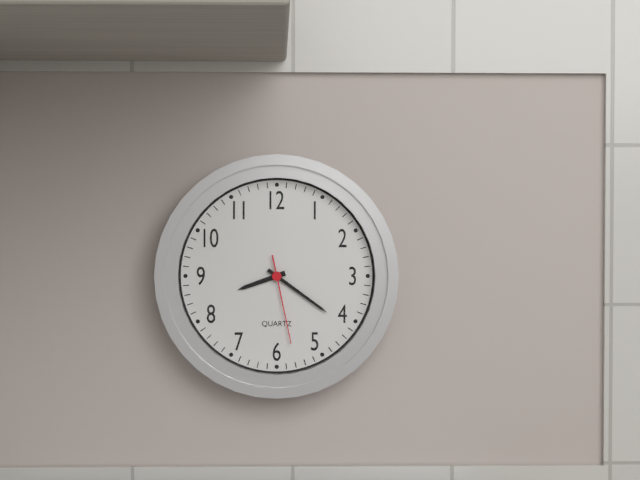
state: 8:21:28
